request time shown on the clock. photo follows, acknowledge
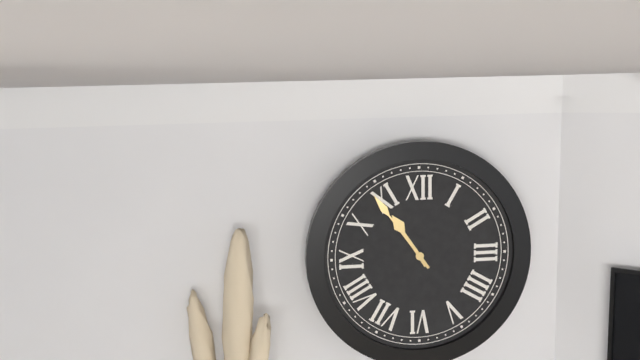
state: 10:54
